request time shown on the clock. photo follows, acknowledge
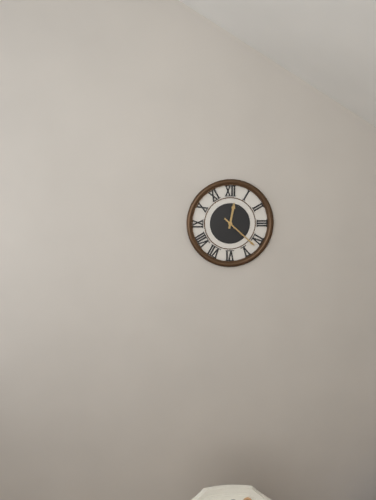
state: 12:22
